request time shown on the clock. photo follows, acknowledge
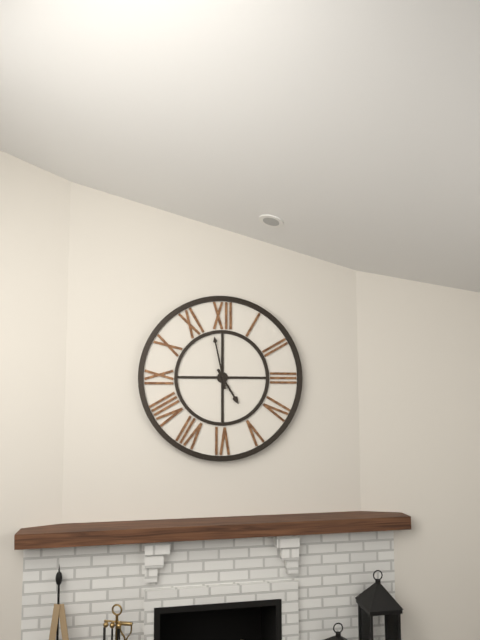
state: 4:58
